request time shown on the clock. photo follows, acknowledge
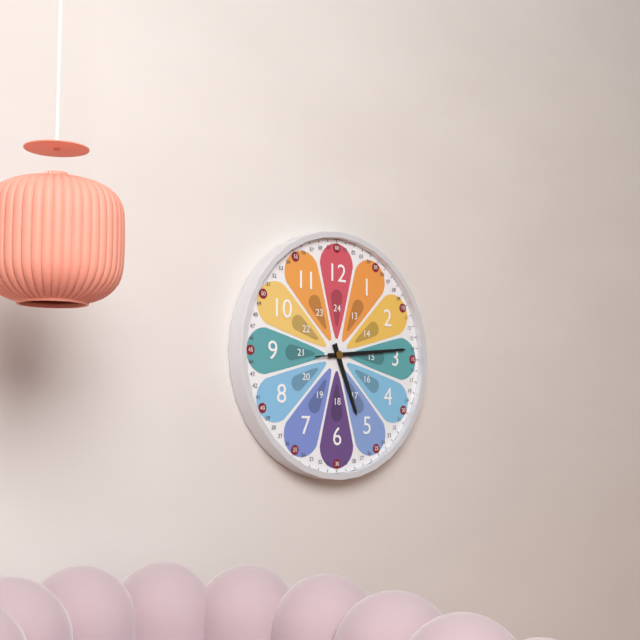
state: 5:14:14
